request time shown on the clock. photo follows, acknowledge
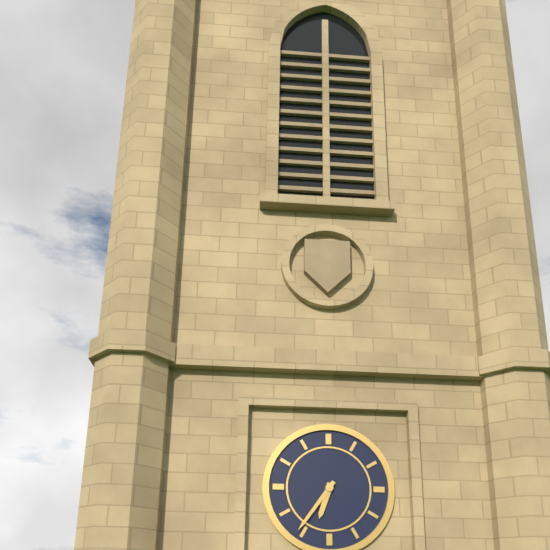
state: 6:36
